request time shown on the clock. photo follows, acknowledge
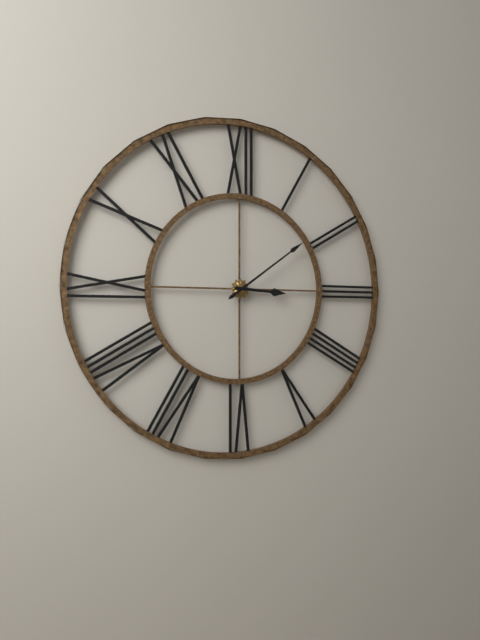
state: 3:09
